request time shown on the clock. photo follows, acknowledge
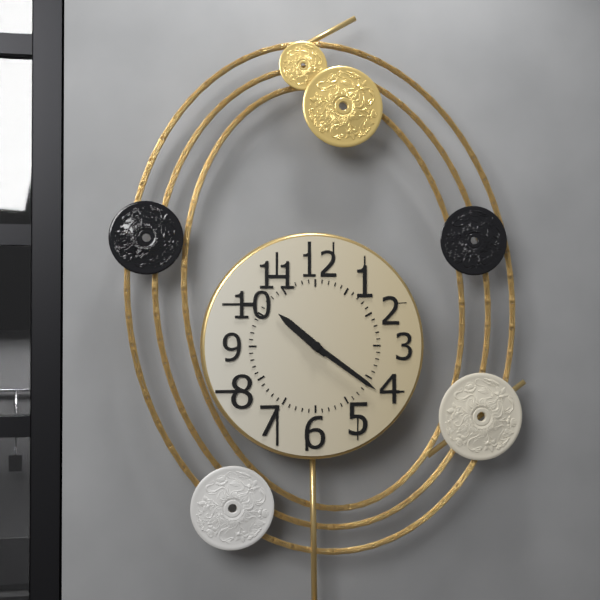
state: 10:21
